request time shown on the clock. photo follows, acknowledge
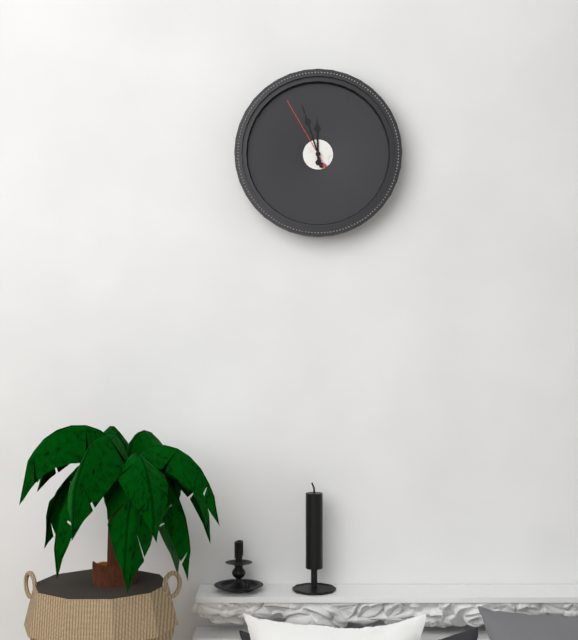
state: 11:57:55
